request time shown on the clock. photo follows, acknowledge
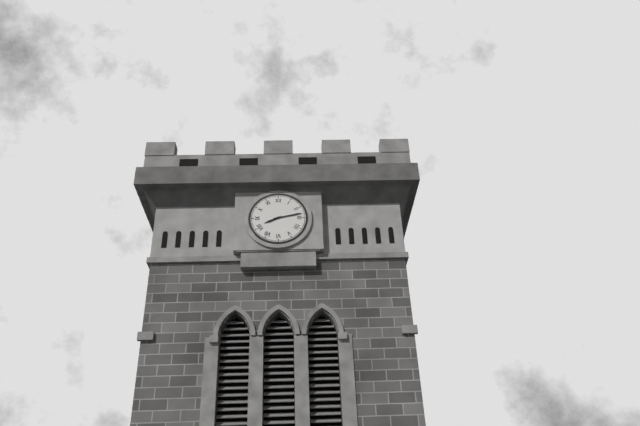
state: 8:13
